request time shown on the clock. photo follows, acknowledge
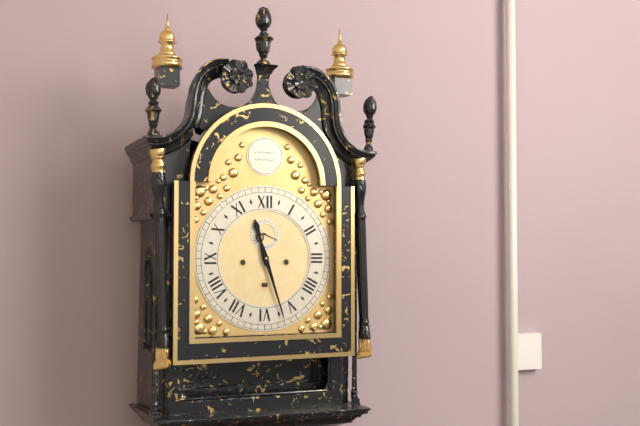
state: 11:27
